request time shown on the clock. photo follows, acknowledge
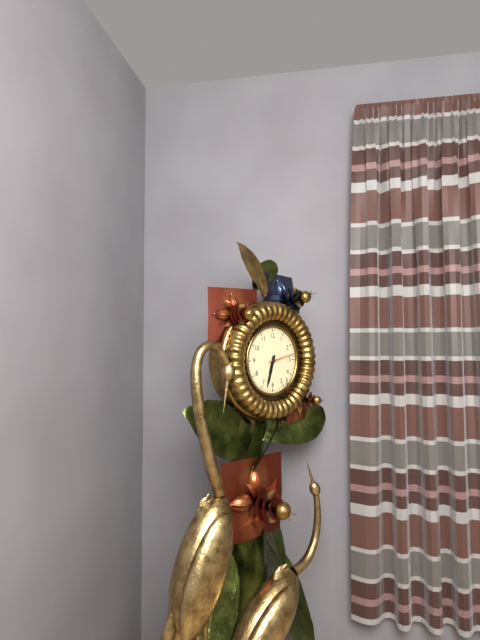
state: 6:33
